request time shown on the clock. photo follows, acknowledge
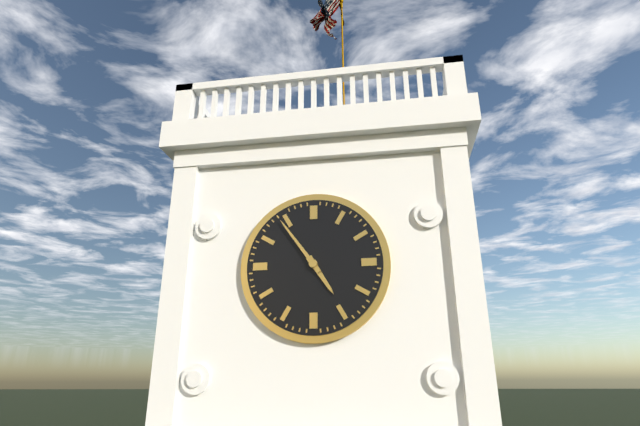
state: 4:54
